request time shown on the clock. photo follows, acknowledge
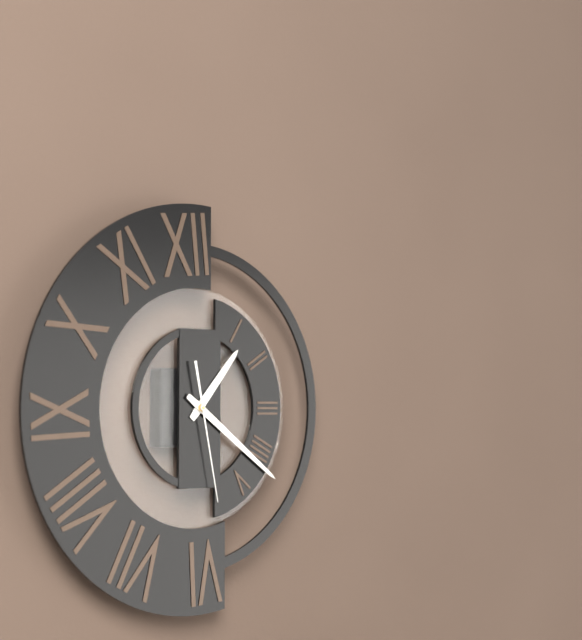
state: 1:21:28
